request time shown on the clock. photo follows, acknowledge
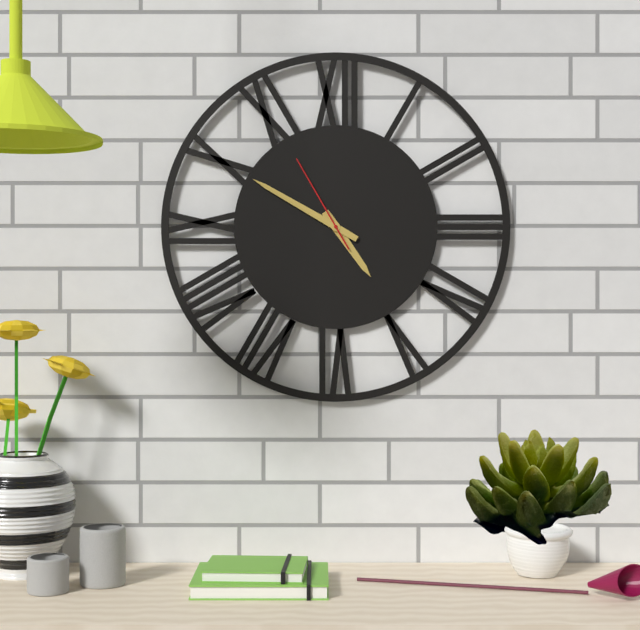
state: 4:50:55
